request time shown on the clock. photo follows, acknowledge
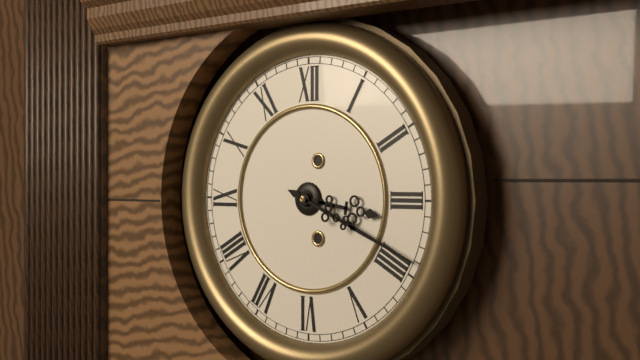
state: 3:19
